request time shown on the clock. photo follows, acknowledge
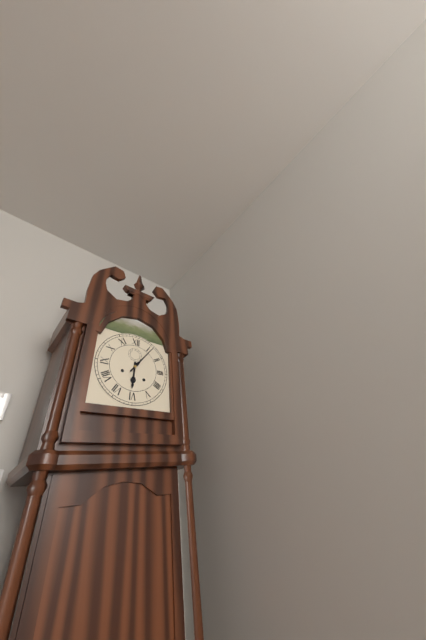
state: 6:06
